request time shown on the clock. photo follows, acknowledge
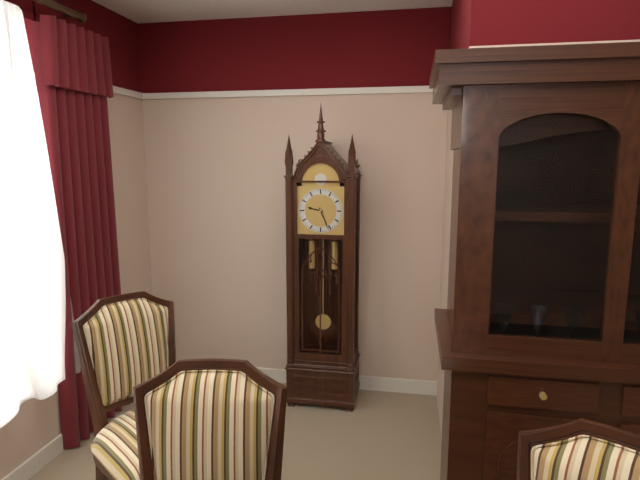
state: 9:26
